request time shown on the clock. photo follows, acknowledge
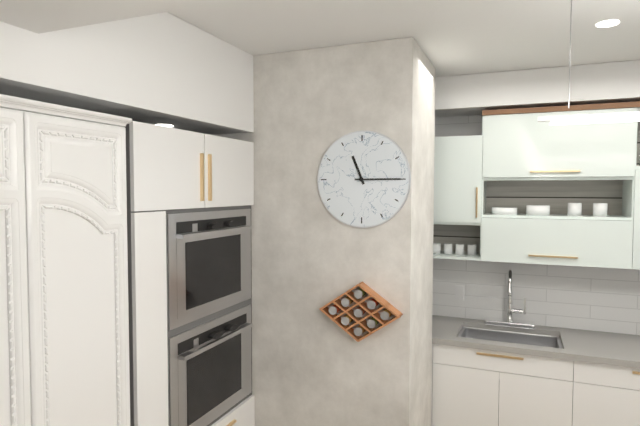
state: 11:15
